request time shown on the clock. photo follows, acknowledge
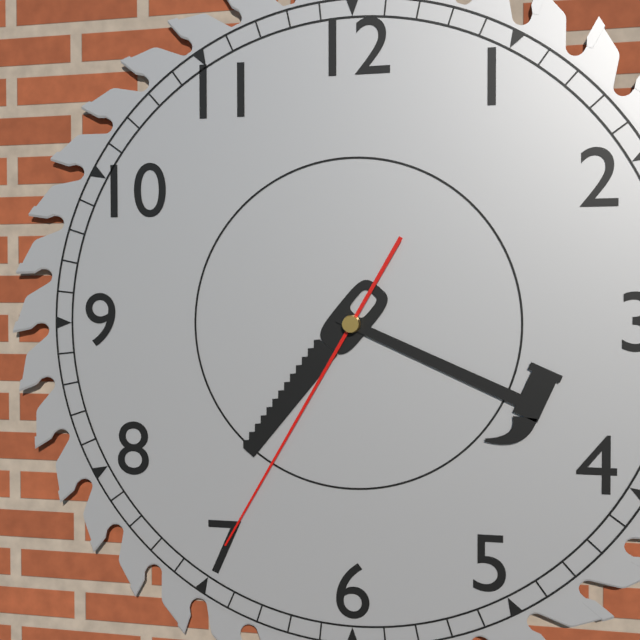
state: 7:19:35
